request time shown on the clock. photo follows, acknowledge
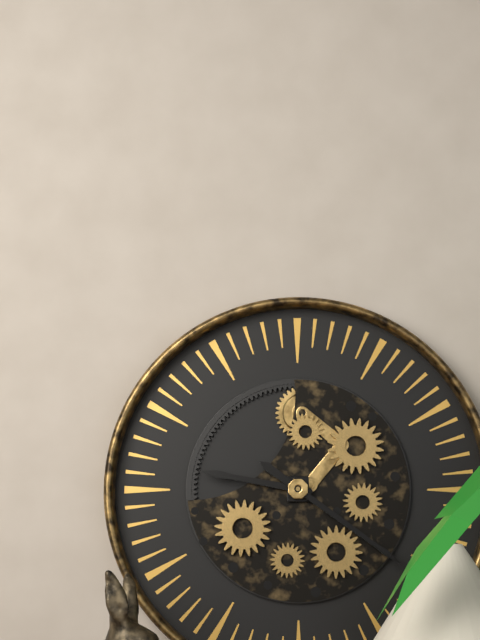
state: 9:21
